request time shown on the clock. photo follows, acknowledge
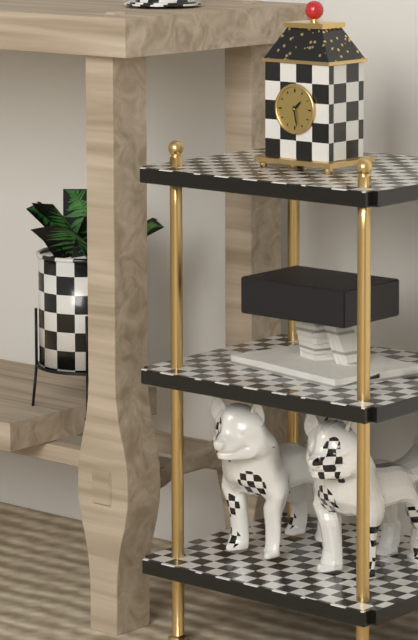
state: 1:28
